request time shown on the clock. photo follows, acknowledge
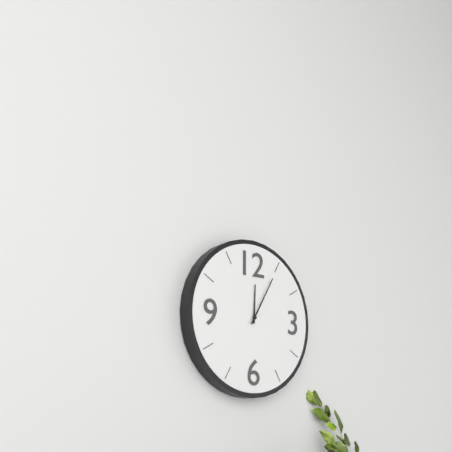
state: 12:05
